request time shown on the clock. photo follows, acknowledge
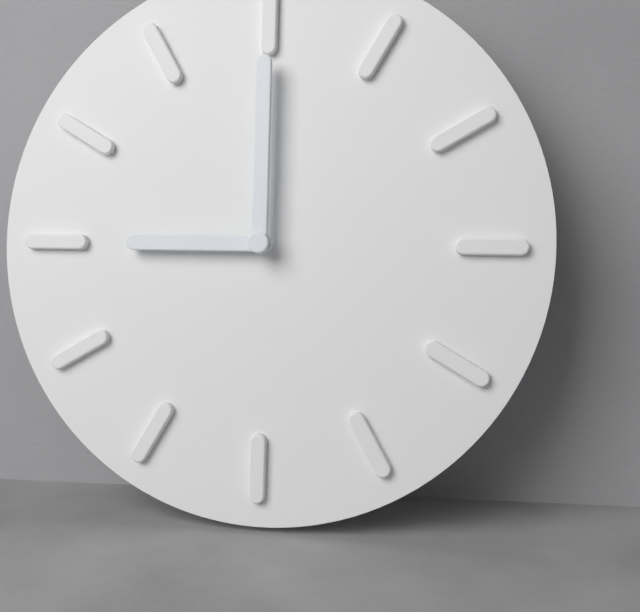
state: 9:00
